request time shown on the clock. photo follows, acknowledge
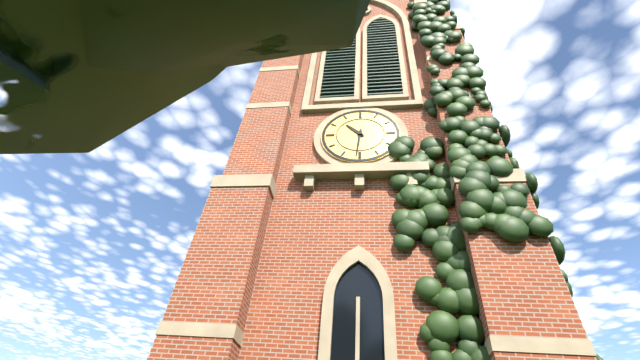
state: 10:31
